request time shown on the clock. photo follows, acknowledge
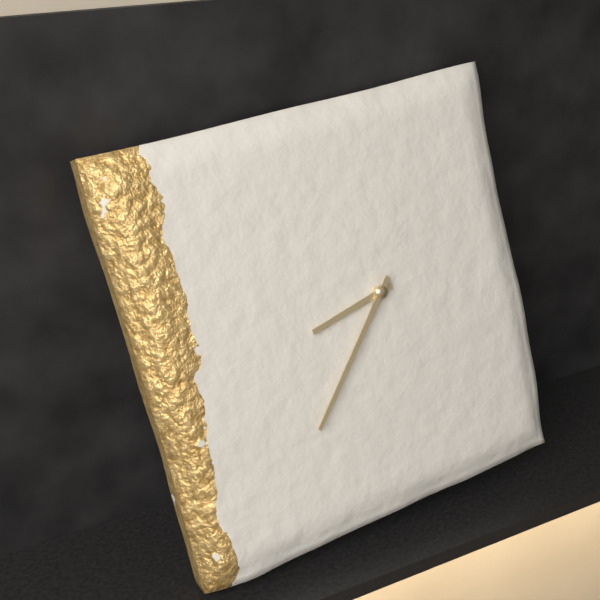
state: 8:37
